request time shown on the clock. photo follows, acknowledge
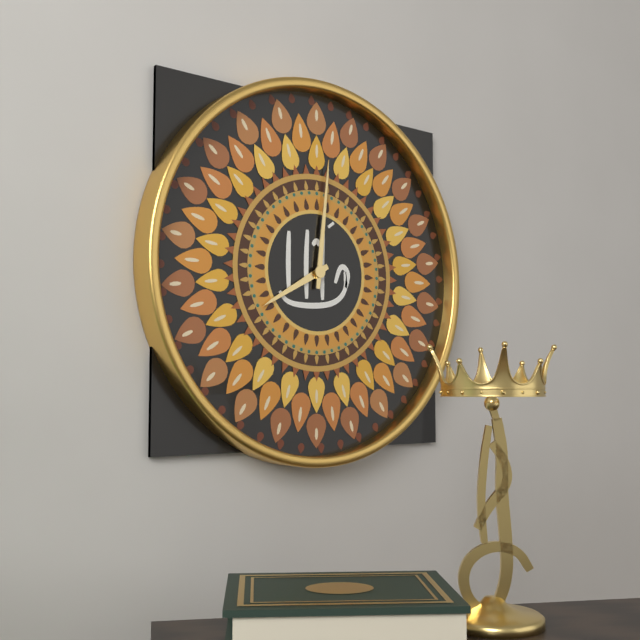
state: 8:01
